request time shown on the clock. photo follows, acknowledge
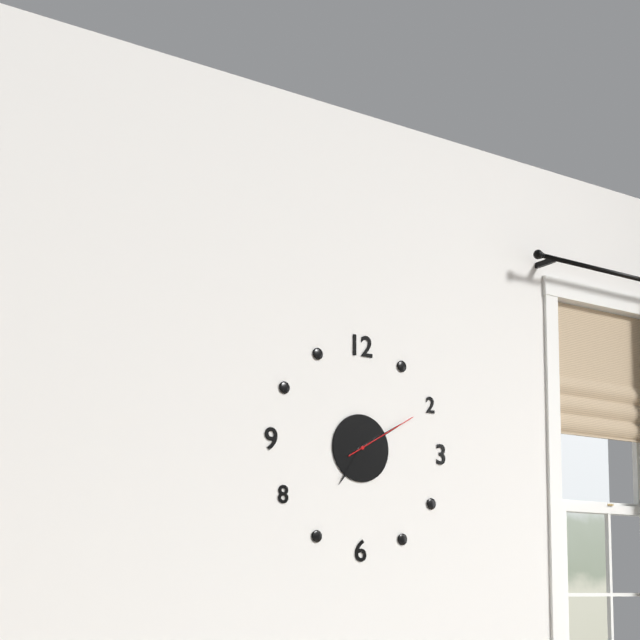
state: 7:10:10
